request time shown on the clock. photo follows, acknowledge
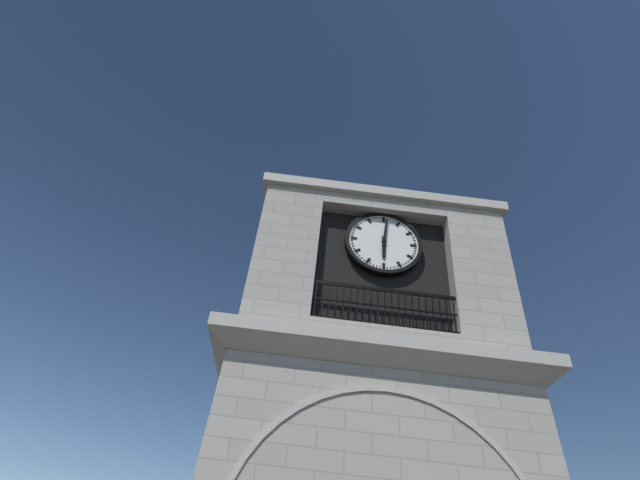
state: 6:01
